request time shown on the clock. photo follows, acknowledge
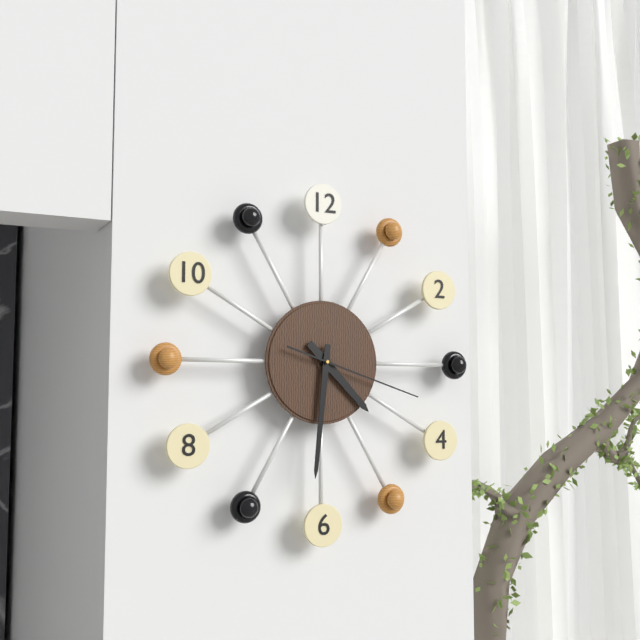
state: 4:31:18
